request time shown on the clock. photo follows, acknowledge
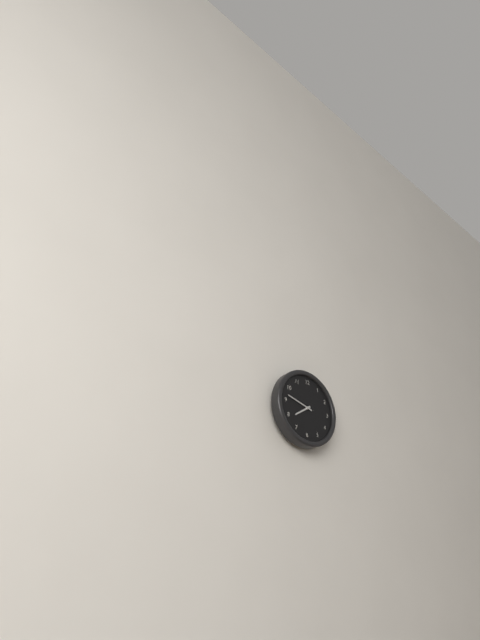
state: 7:47
